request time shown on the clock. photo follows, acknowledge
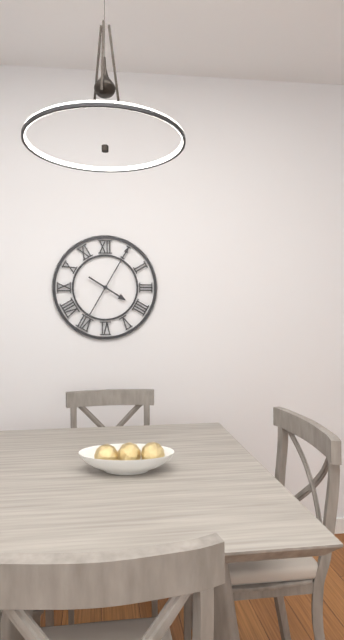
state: 4:05
